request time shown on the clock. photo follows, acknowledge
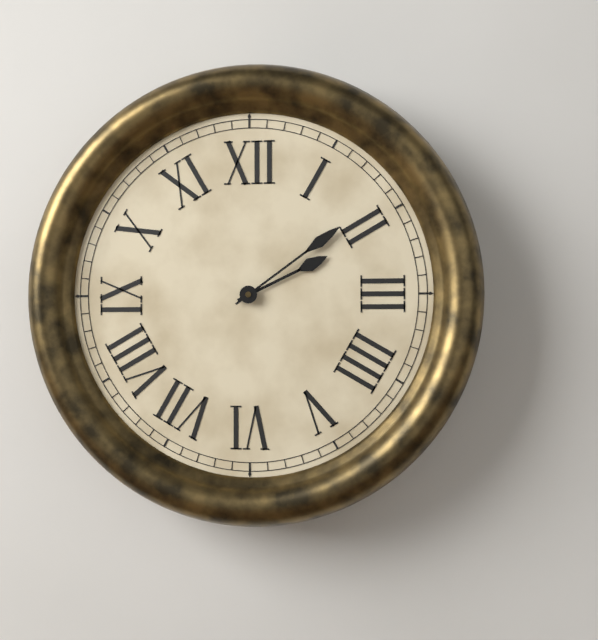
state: 2:09
